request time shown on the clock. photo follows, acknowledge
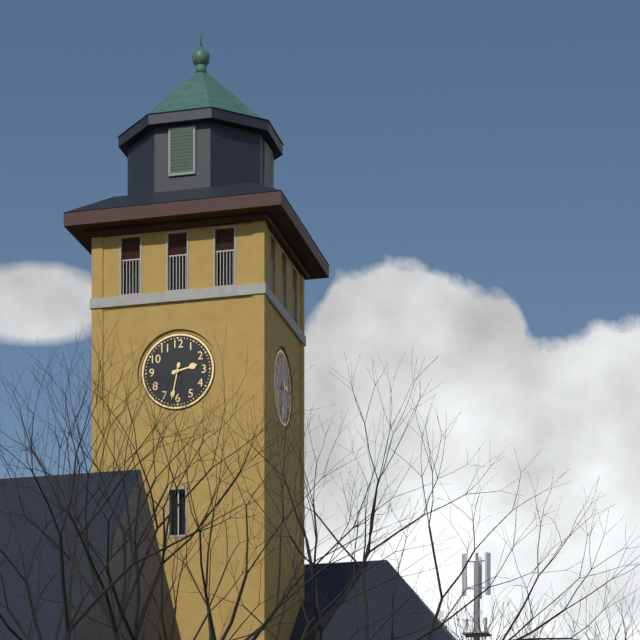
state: 2:32
